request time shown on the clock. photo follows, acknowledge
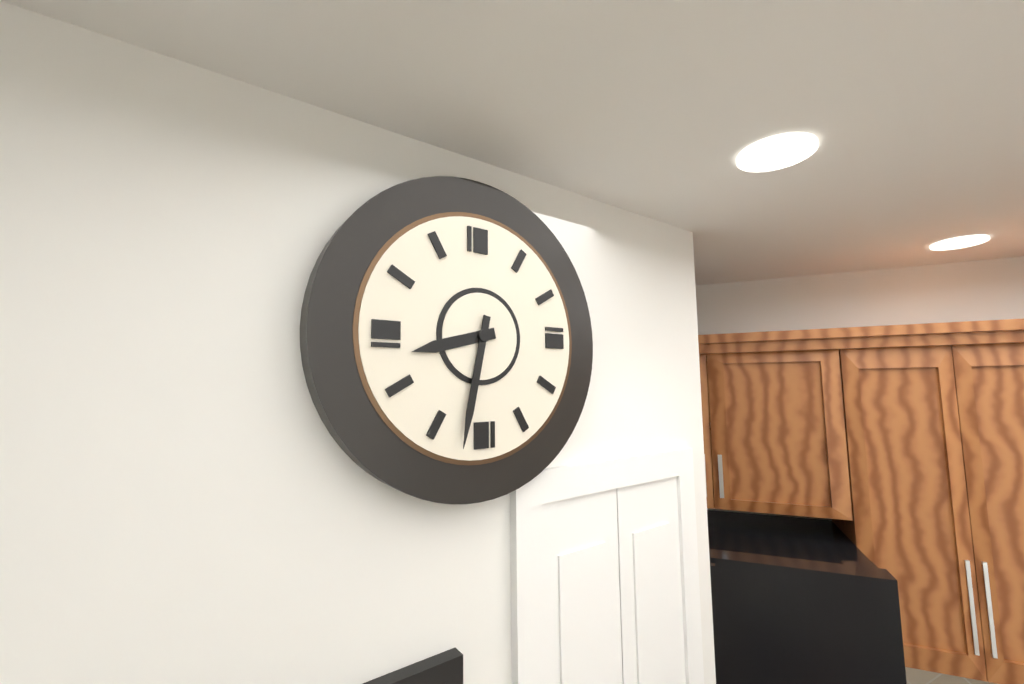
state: 8:32
